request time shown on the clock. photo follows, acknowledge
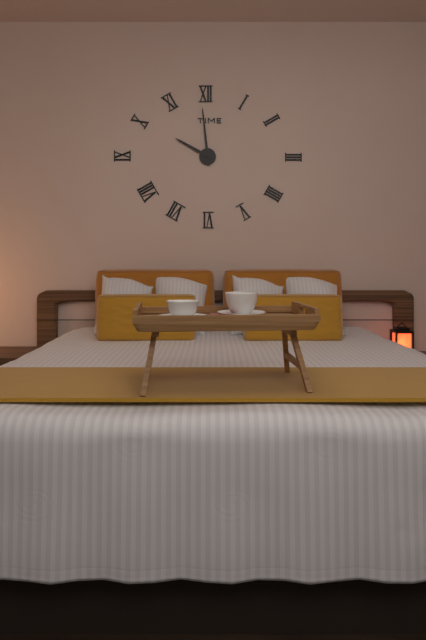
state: 9:59
